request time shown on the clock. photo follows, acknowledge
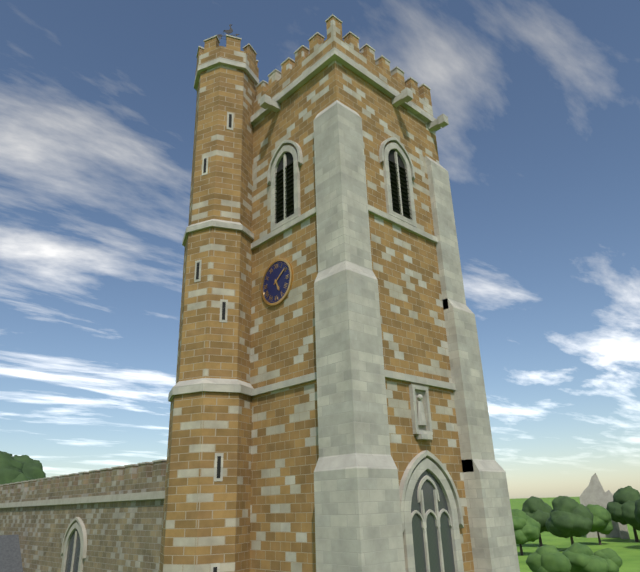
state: 5:09
